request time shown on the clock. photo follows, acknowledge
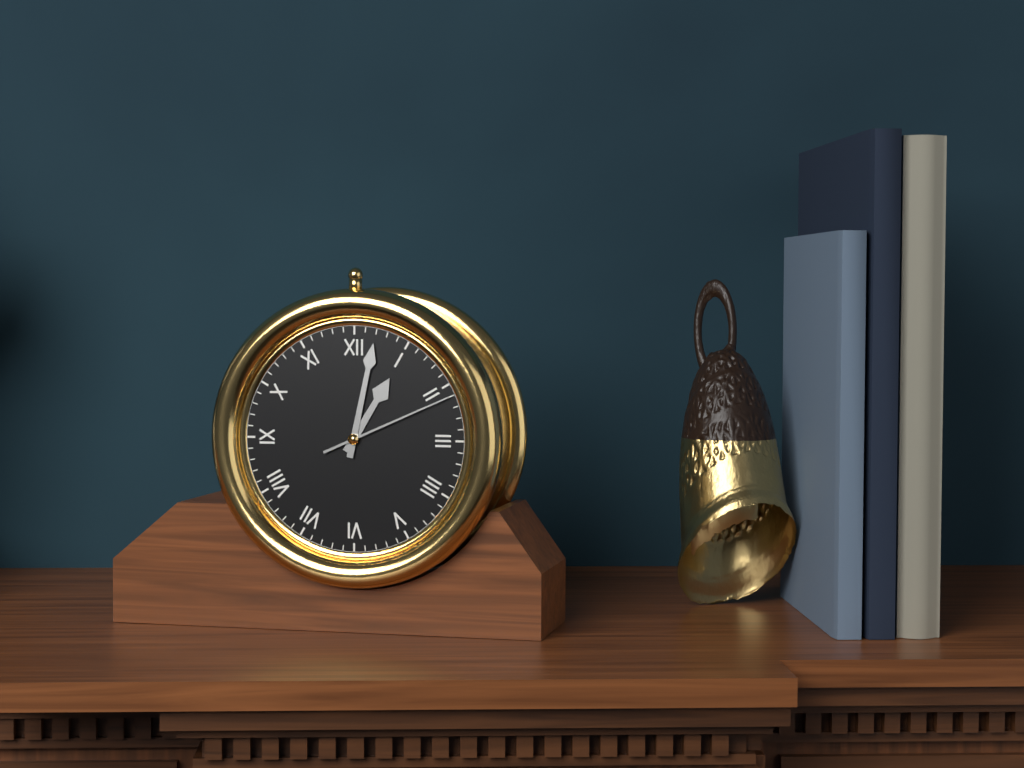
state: 1:02:11
